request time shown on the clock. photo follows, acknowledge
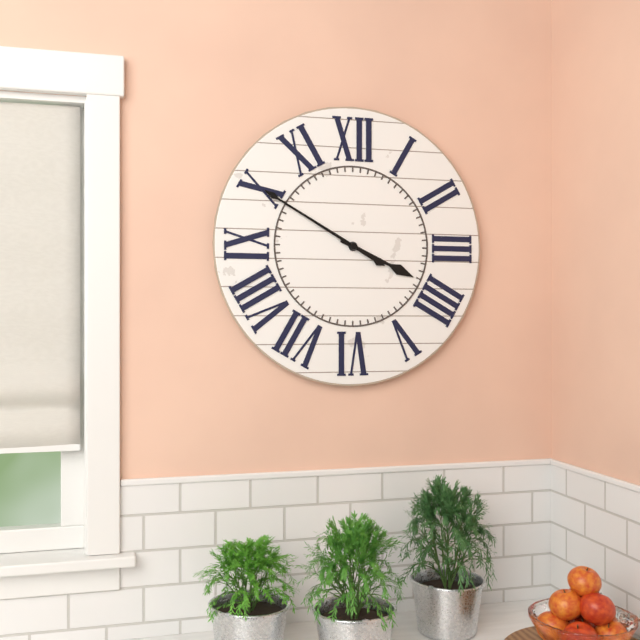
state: 3:50
